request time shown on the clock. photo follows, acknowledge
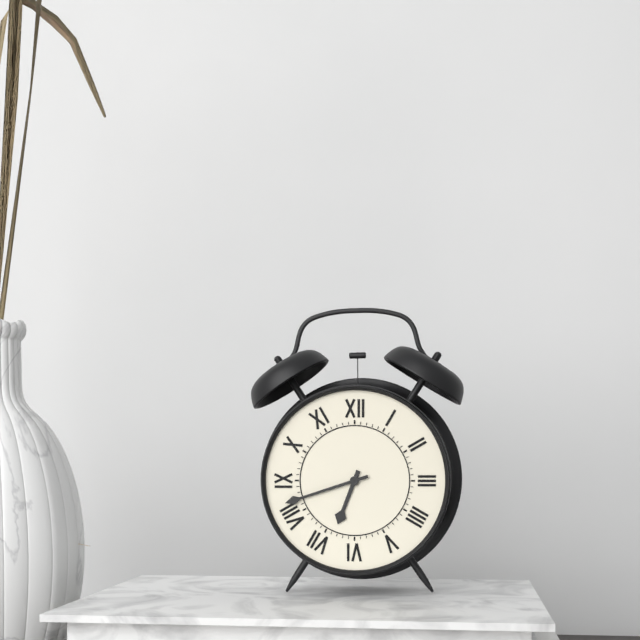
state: 6:42
